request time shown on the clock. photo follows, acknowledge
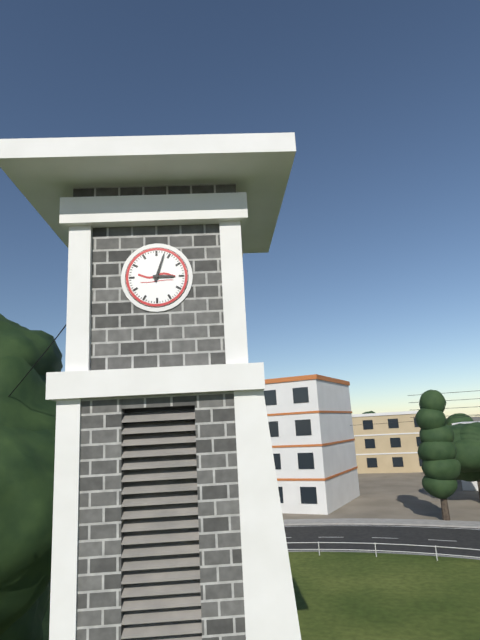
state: 3:03
